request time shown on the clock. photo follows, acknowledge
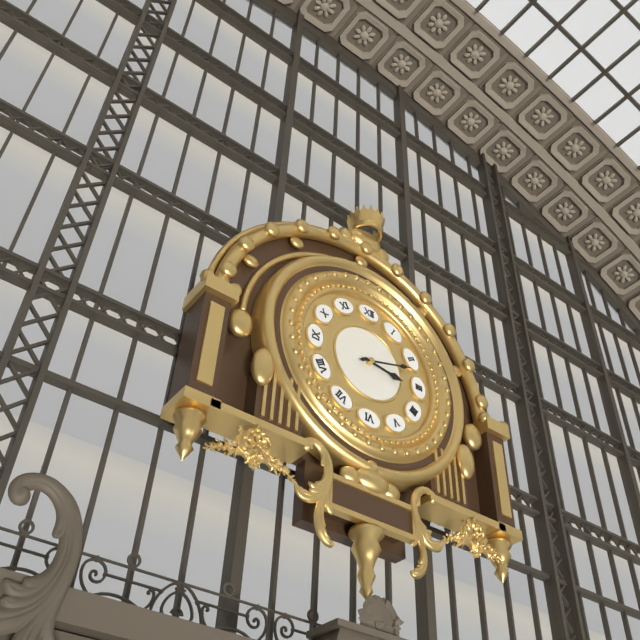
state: 3:12
